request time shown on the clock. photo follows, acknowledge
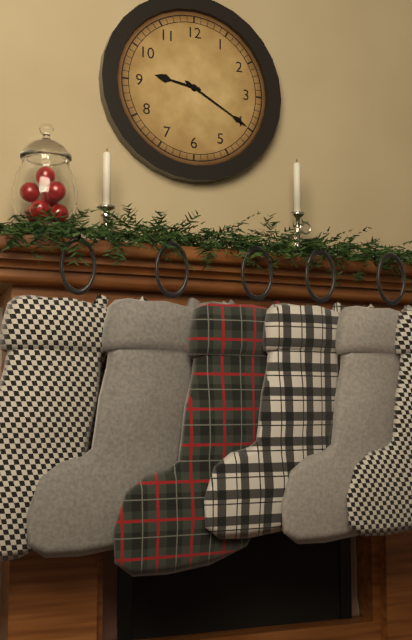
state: 9:20
